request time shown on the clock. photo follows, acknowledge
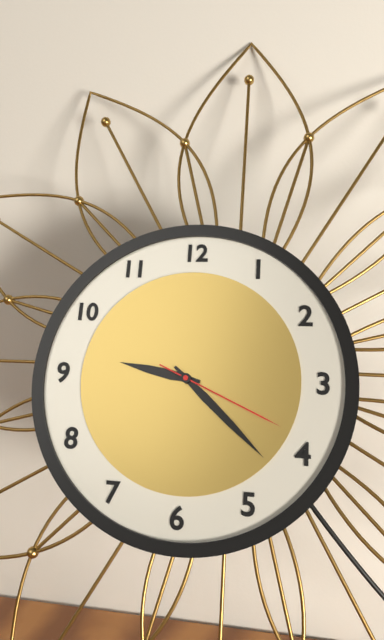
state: 9:22:19
